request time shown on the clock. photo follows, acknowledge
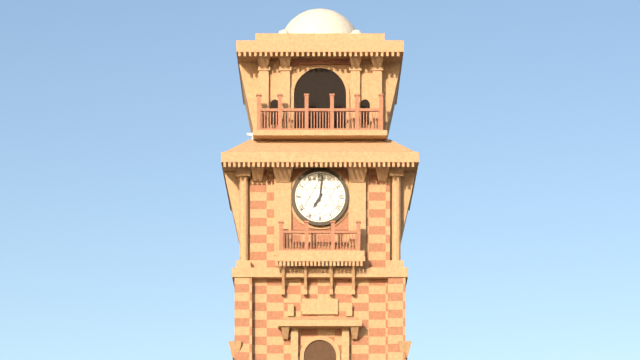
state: 7:01
